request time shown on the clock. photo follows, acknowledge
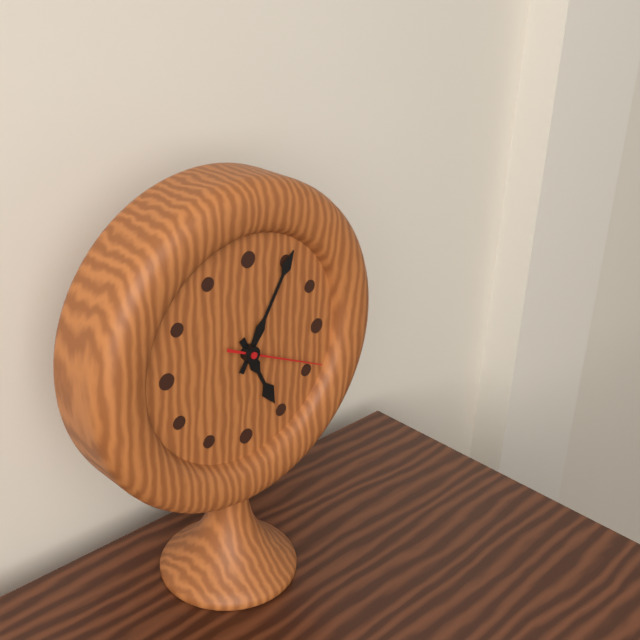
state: 5:05:19
